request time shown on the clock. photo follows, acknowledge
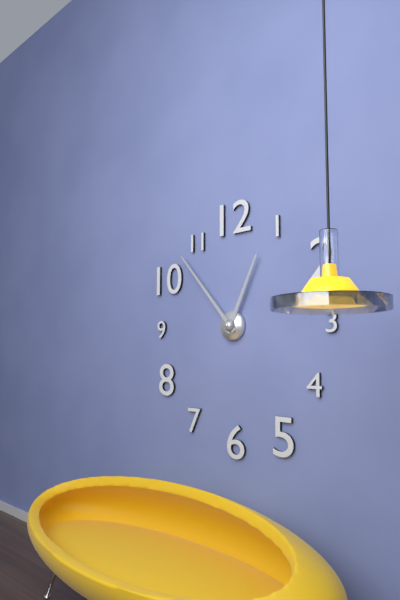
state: 12:53
